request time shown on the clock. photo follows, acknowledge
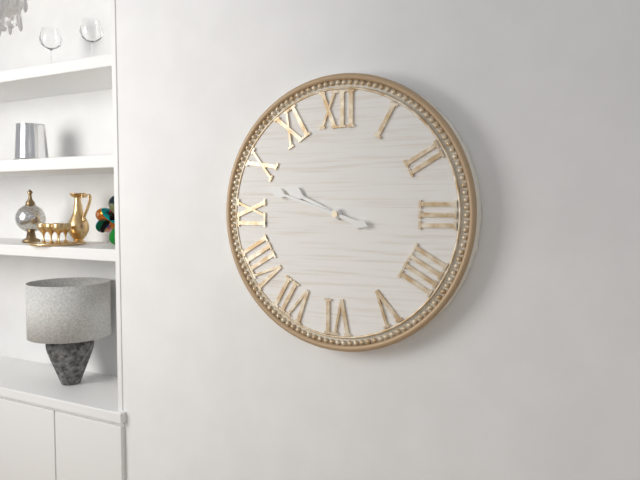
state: 9:48
